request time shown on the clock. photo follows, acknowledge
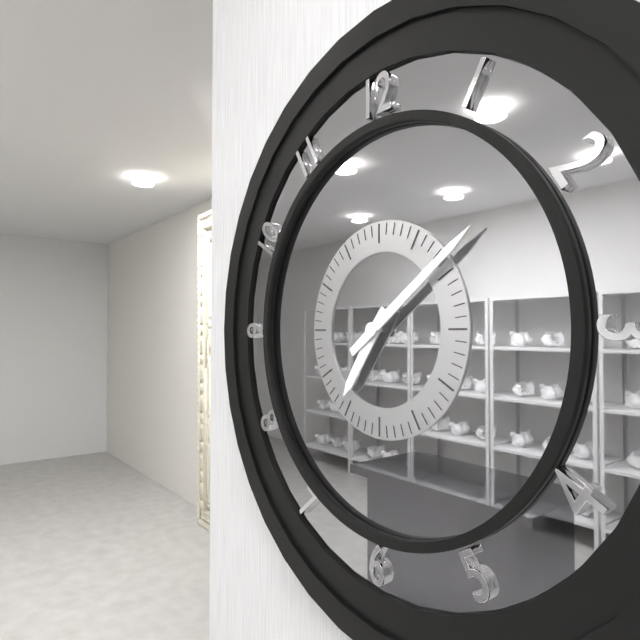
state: 7:09
